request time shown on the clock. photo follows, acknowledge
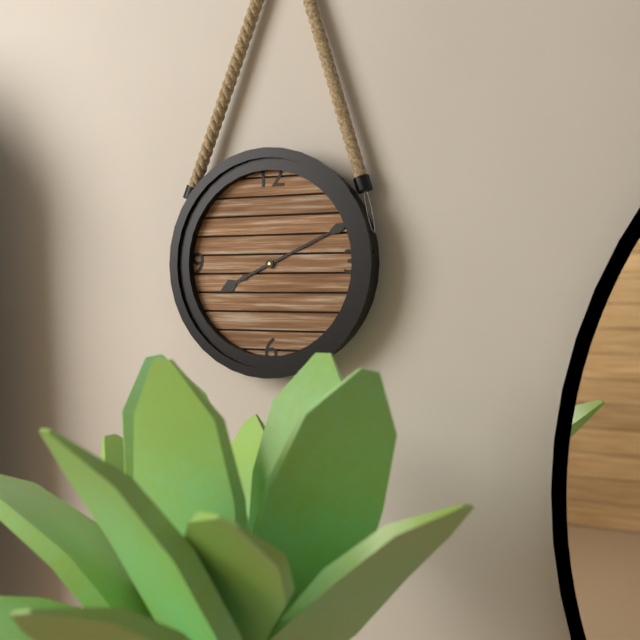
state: 8:11
